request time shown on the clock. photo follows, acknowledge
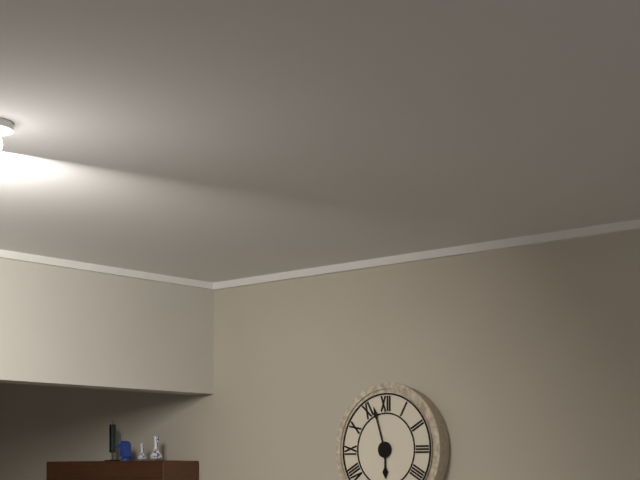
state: 5:57
